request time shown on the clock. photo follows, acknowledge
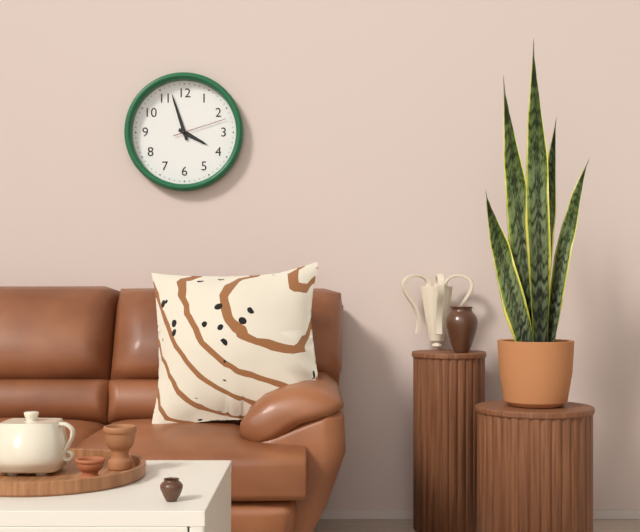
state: 3:57:12
